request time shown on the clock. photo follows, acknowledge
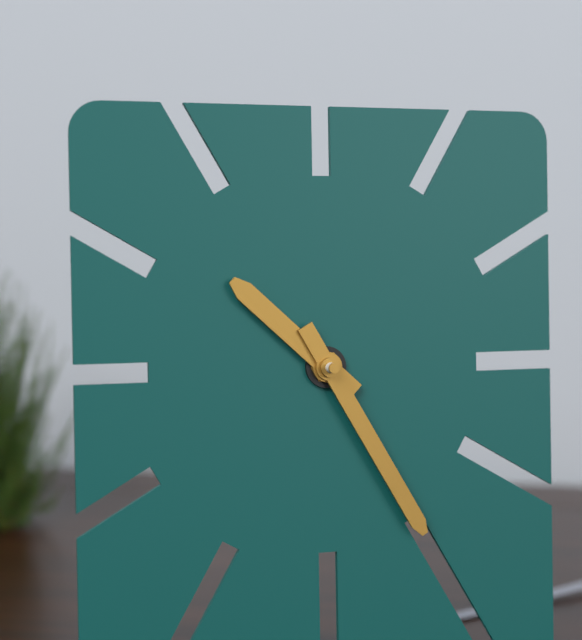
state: 10:25
